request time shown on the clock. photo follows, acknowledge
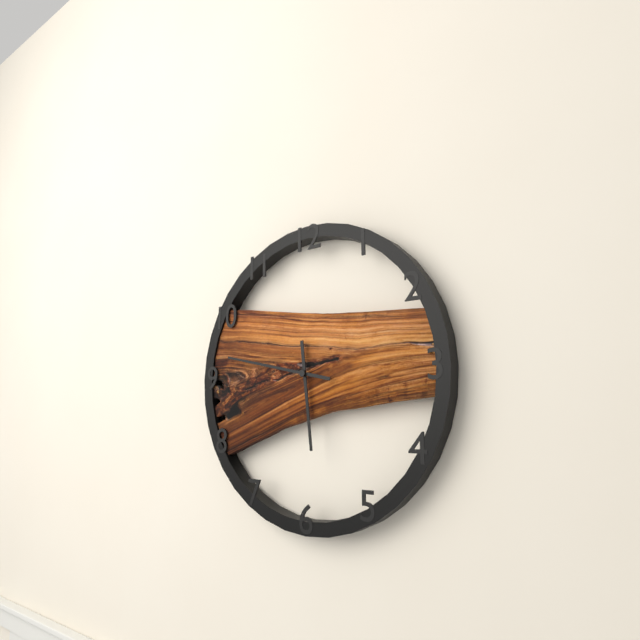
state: 5:47
